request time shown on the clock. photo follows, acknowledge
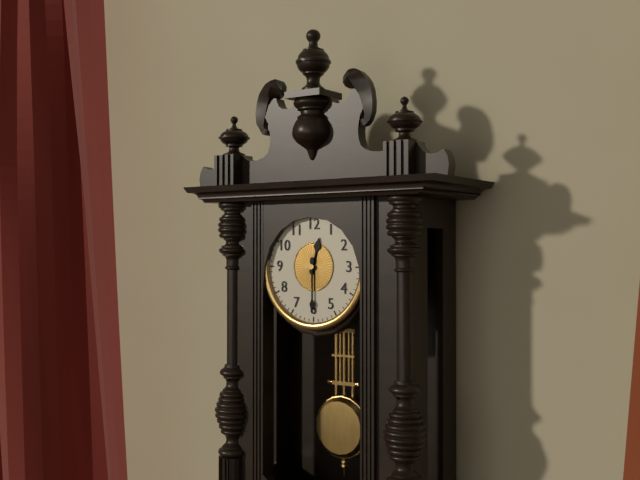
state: 12:30
